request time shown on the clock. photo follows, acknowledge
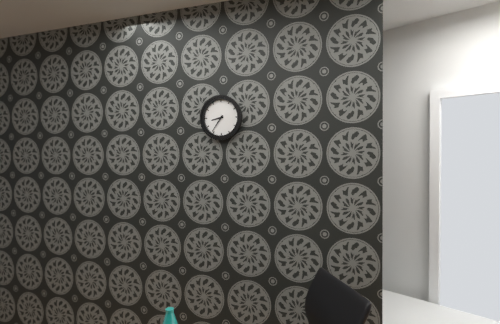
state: 8:36
